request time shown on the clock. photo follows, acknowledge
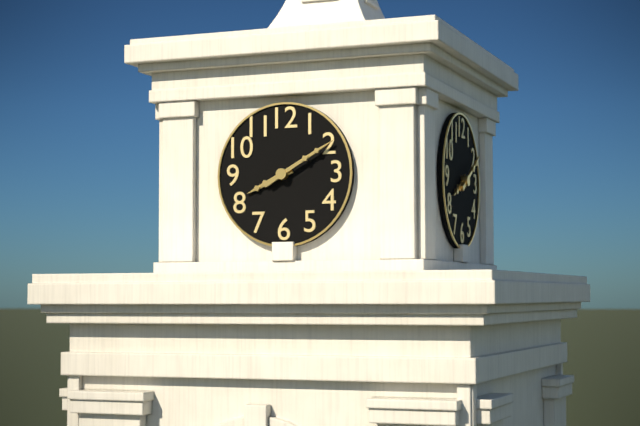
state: 8:10
